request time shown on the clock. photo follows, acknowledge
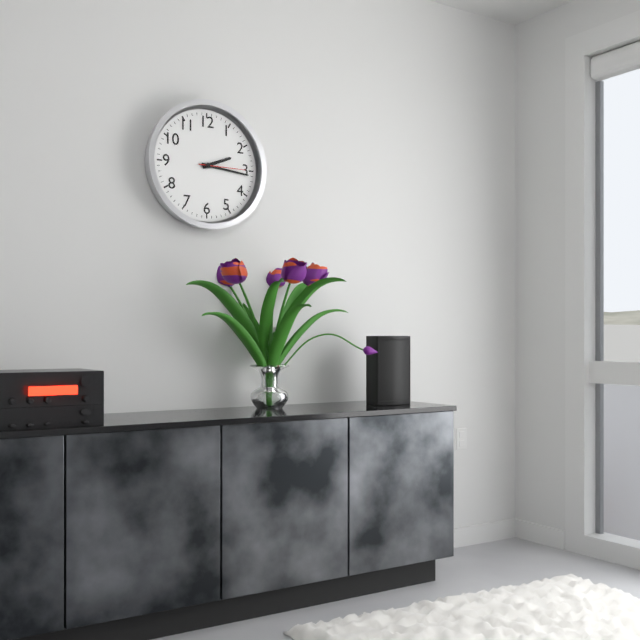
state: 2:16
